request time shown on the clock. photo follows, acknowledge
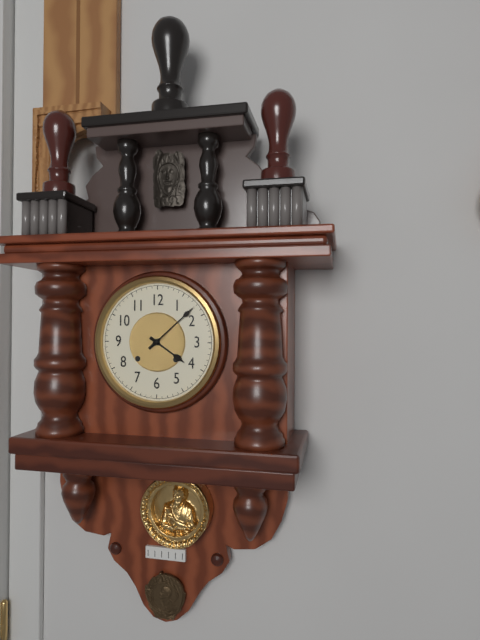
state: 4:08
